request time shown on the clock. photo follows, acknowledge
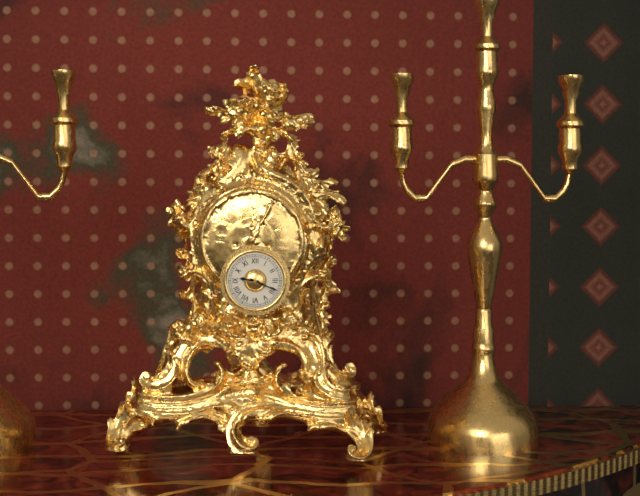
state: 9:19
